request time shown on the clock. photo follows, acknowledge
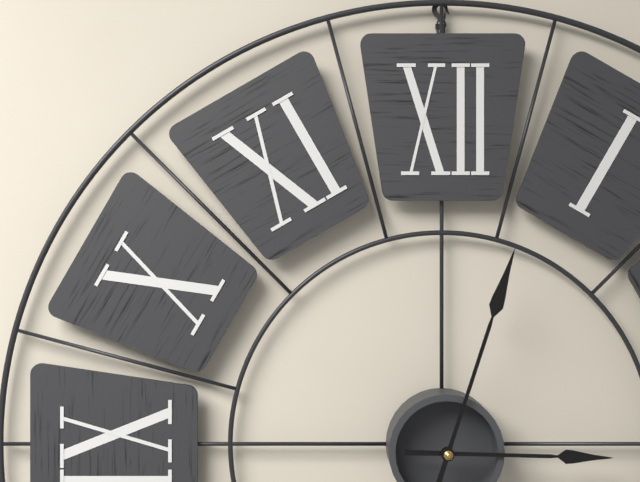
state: 3:03
